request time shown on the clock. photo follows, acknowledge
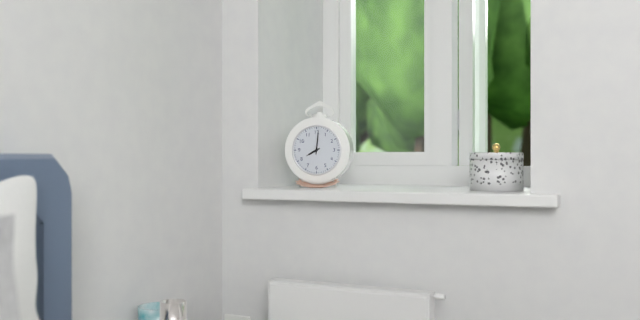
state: 8:01
